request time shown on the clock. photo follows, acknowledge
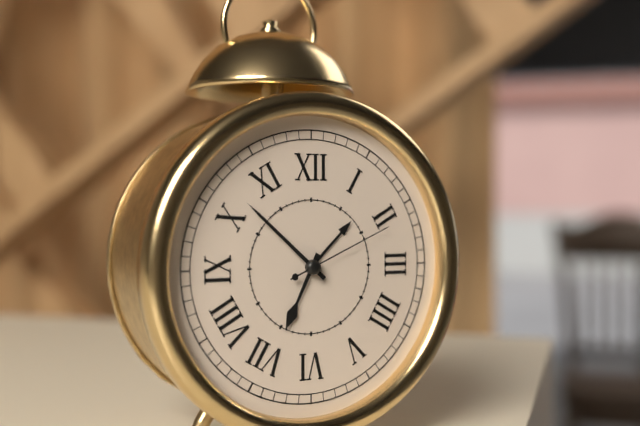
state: 6:52:11
